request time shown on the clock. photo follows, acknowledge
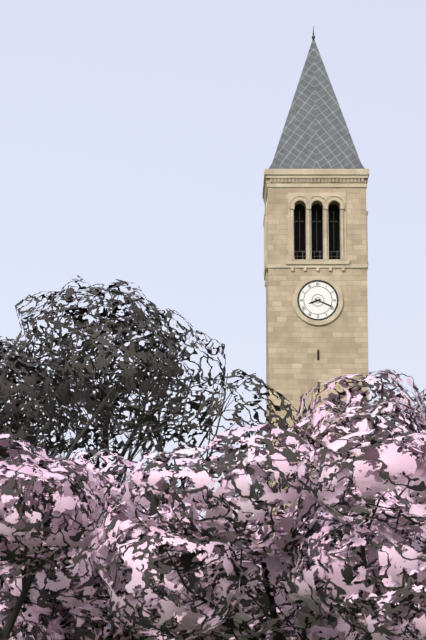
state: 8:19
